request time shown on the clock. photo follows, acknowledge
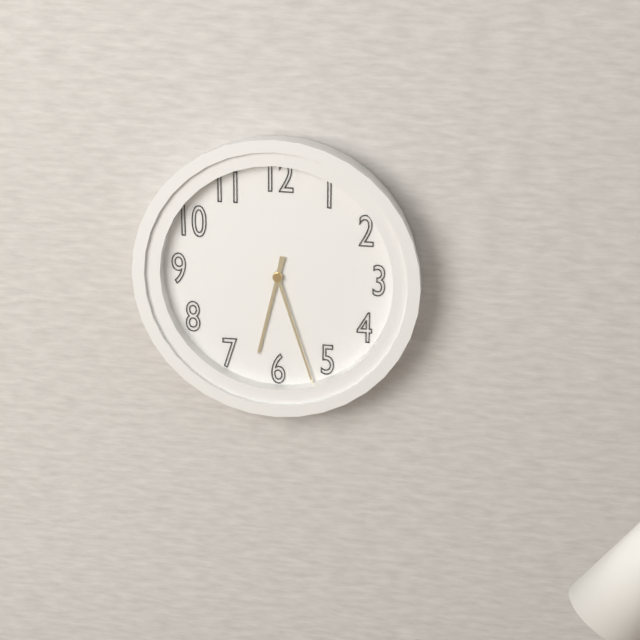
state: 6:27
